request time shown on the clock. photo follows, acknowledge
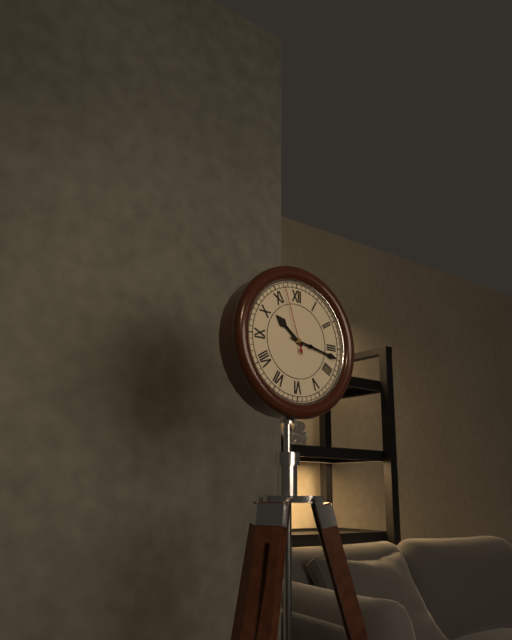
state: 10:17:57
